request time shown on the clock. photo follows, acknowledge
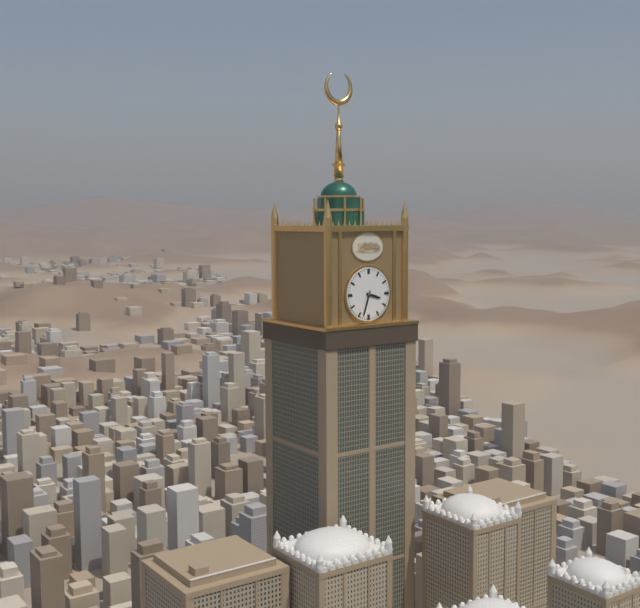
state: 3:33
